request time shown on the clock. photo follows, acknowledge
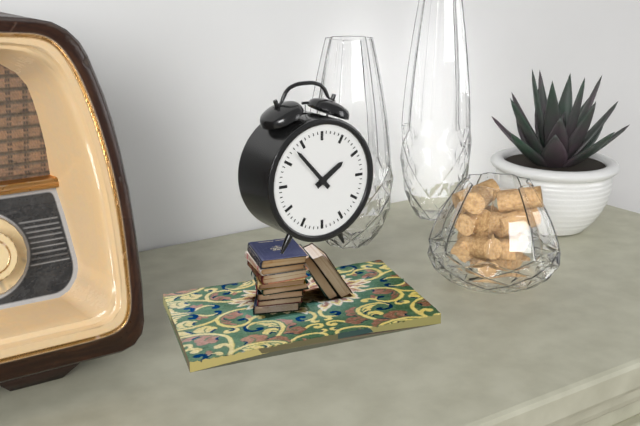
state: 1:53
